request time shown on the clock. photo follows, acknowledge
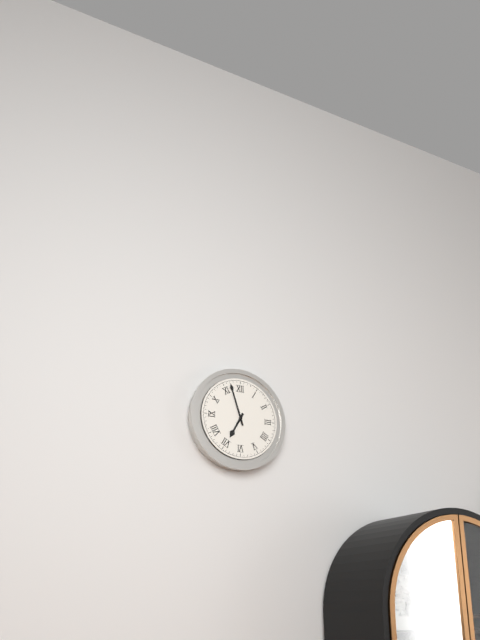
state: 6:57
